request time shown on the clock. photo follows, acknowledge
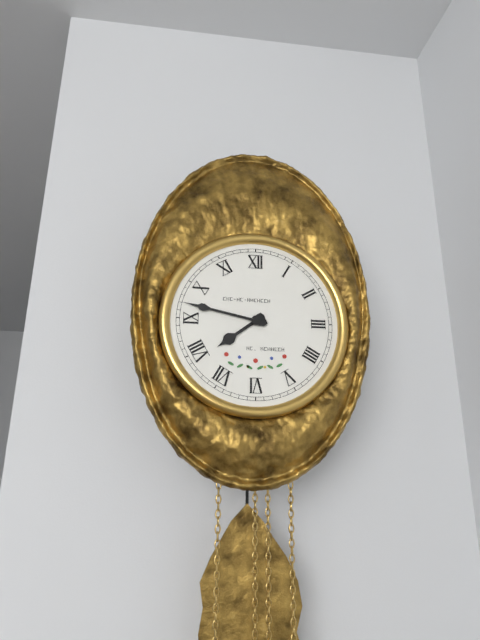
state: 7:47
